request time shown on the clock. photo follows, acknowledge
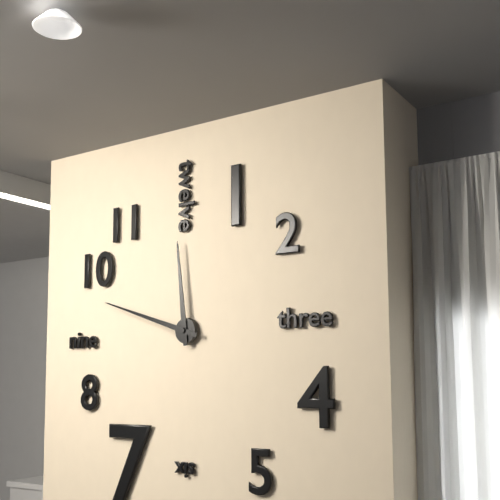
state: 11:48
